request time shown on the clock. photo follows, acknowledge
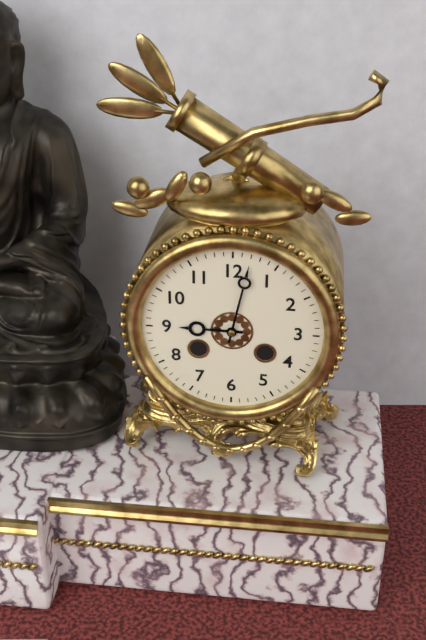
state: 9:02
